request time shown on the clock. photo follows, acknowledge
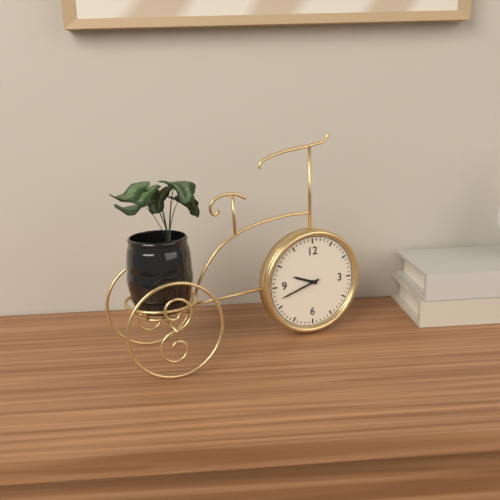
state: 9:42
